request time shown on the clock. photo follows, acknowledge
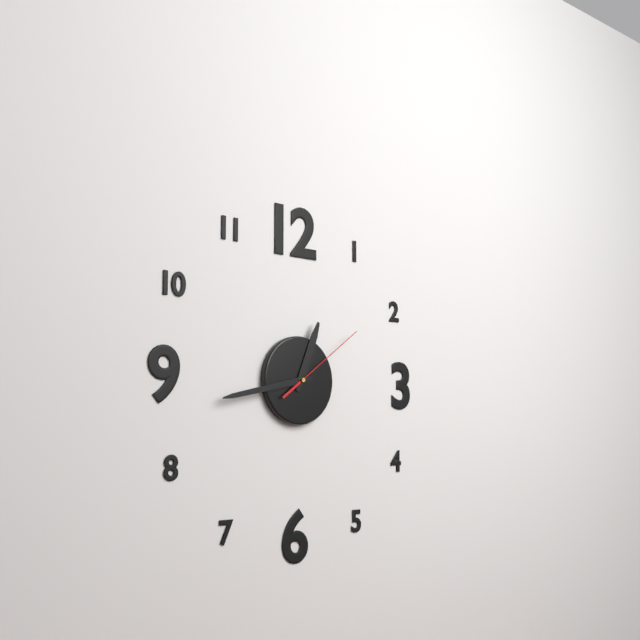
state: 12:43:09
